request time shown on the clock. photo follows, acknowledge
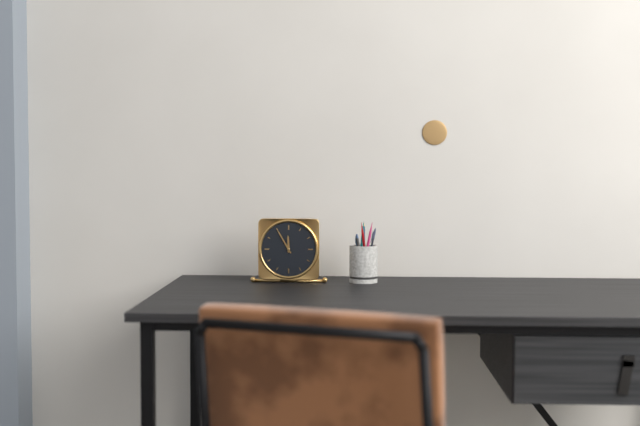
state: 11:55
